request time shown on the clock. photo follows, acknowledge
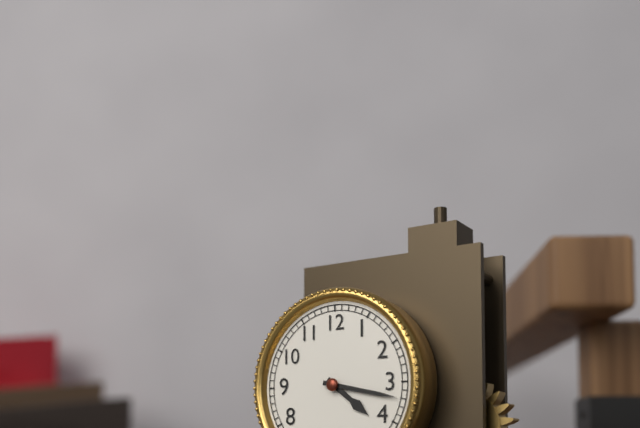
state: 4:17
